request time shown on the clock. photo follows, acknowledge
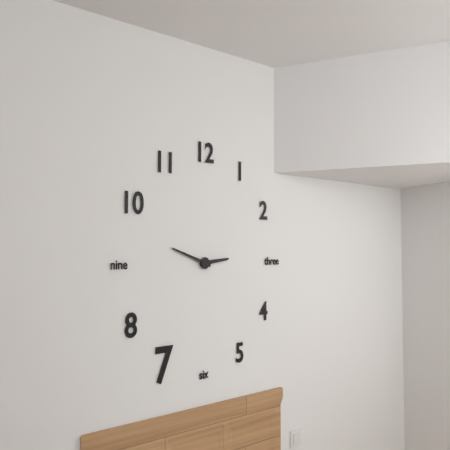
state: 2:48
